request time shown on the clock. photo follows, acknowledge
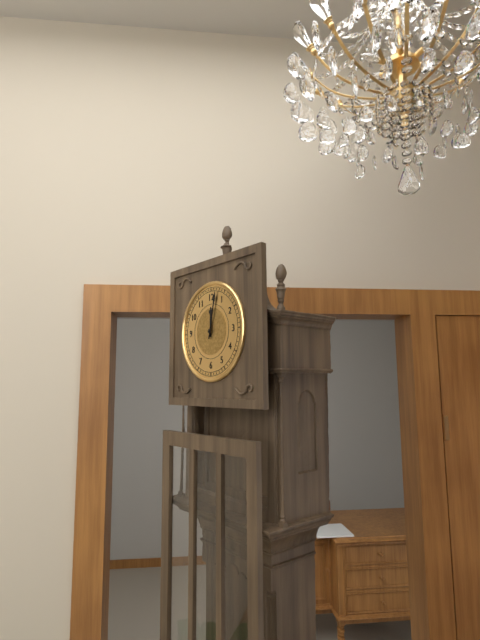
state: 12:02
